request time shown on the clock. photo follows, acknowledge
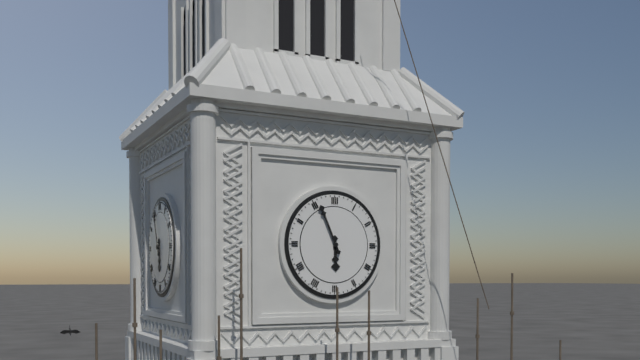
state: 5:56
